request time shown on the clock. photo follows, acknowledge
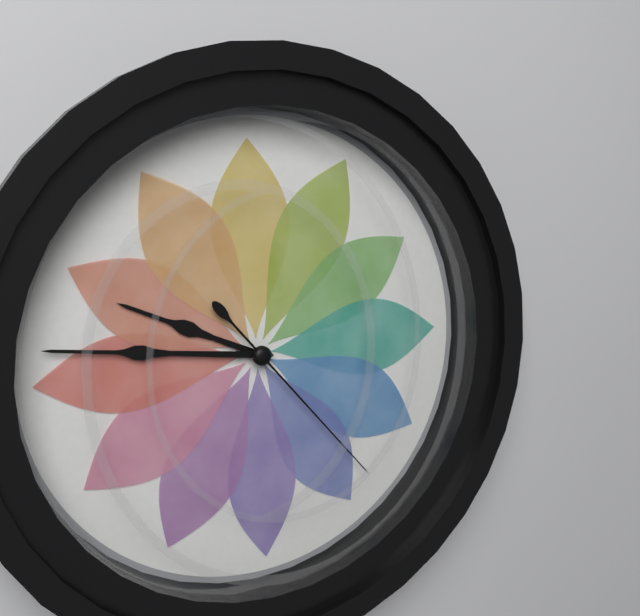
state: 9:46:23
